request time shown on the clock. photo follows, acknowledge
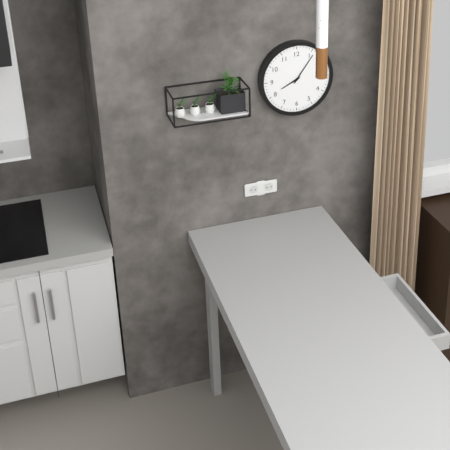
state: 8:06
